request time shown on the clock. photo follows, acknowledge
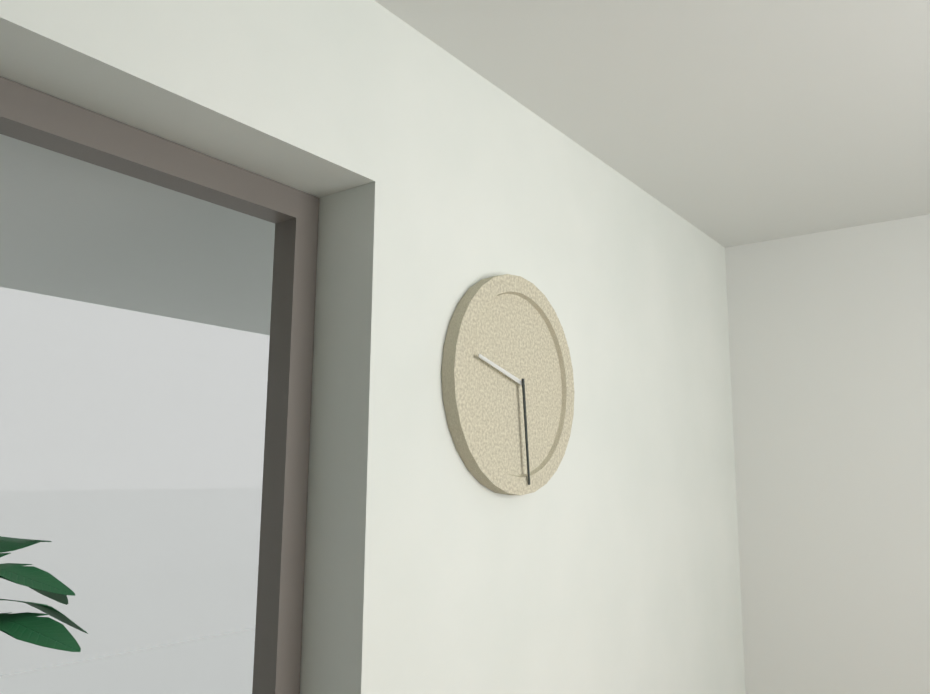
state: 9:29
